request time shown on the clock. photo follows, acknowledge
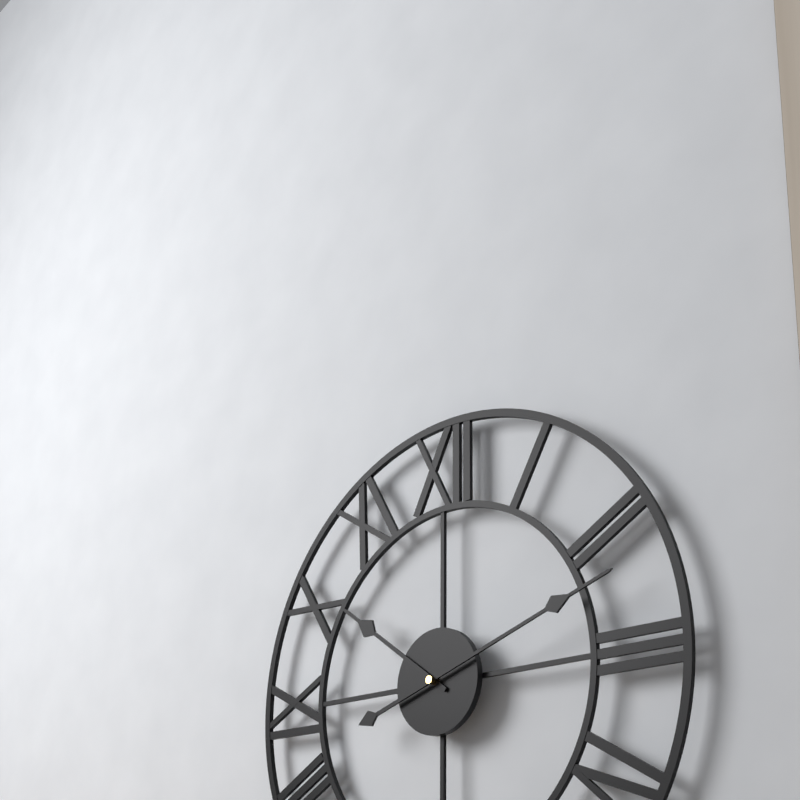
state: 10:12
